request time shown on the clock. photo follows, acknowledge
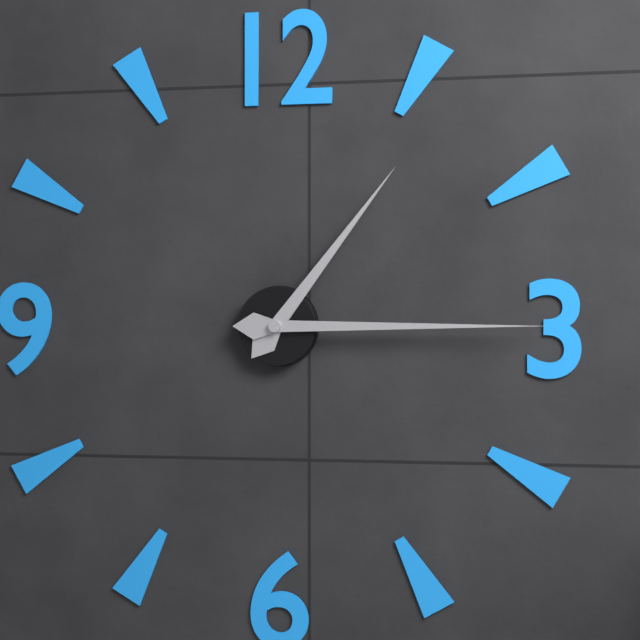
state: 1:15
